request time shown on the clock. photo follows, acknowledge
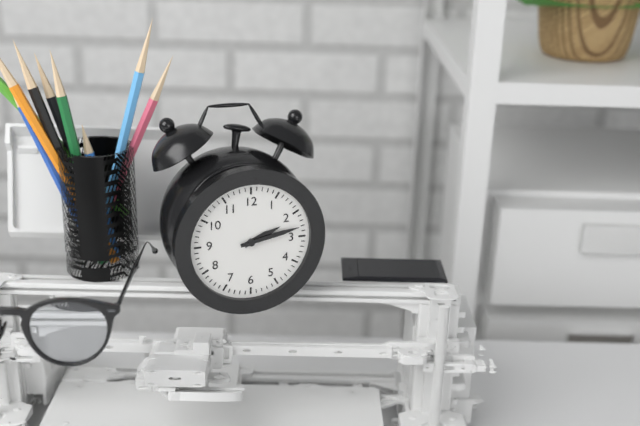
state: 2:13
